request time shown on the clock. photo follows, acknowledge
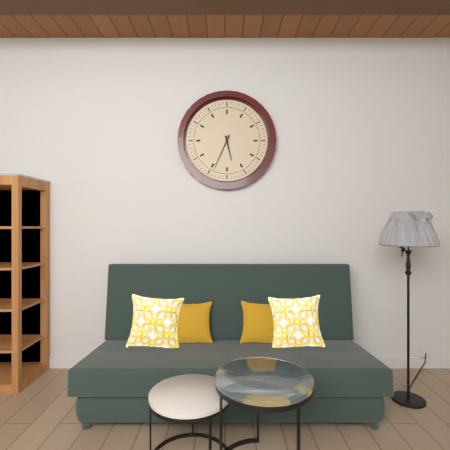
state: 5:34
